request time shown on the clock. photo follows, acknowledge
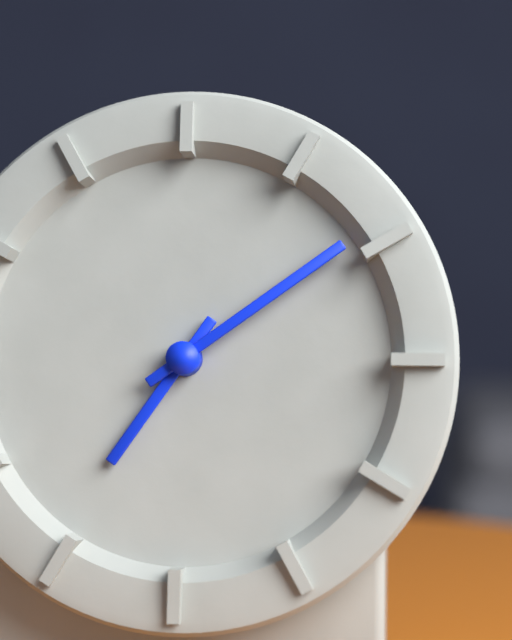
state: 7:09
